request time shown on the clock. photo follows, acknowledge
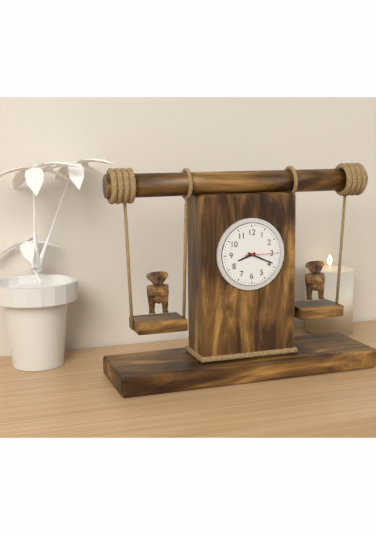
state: 8:19
